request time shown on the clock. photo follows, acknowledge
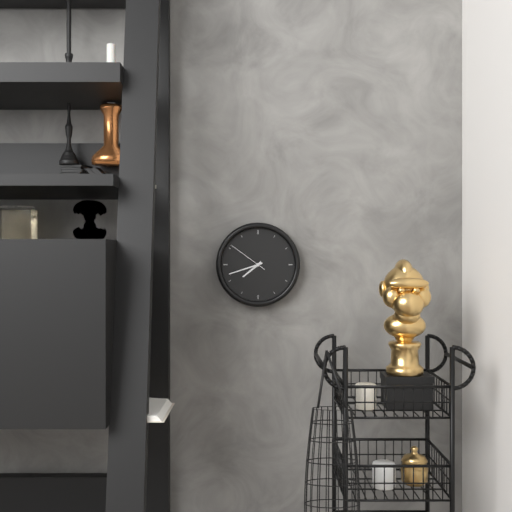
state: 7:42
